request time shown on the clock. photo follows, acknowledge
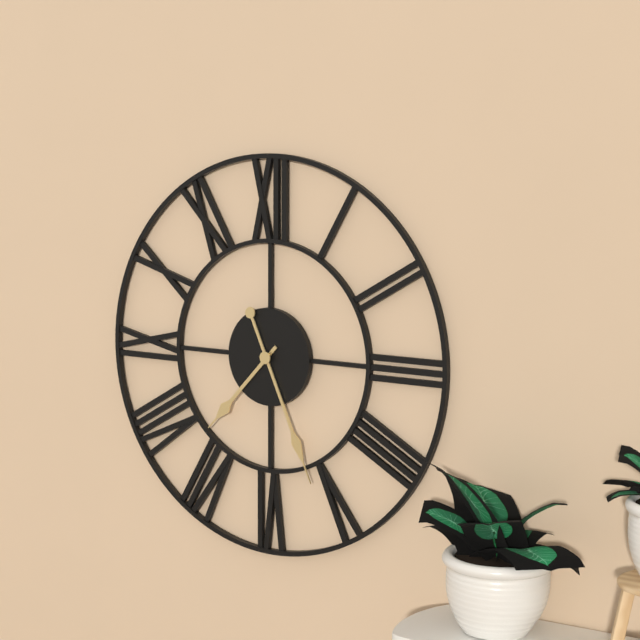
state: 7:26
